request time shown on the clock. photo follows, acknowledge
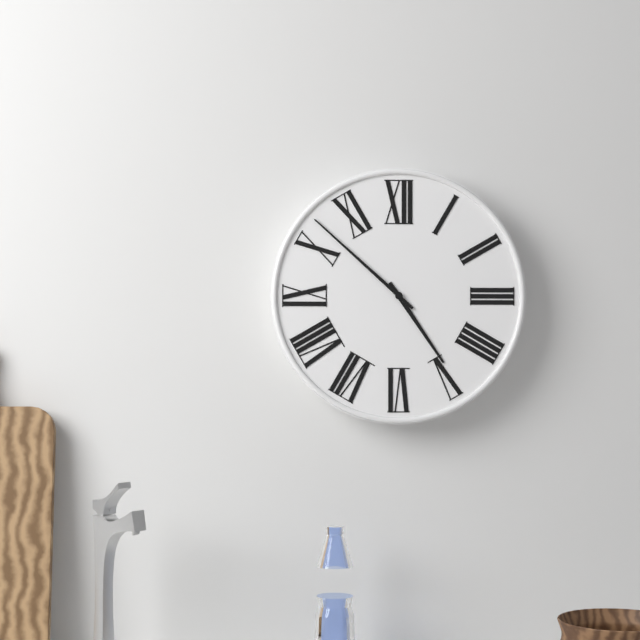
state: 4:52
